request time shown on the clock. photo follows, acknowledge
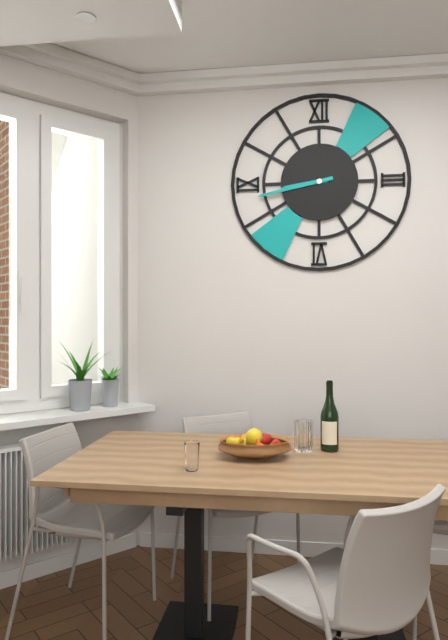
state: 8:43
